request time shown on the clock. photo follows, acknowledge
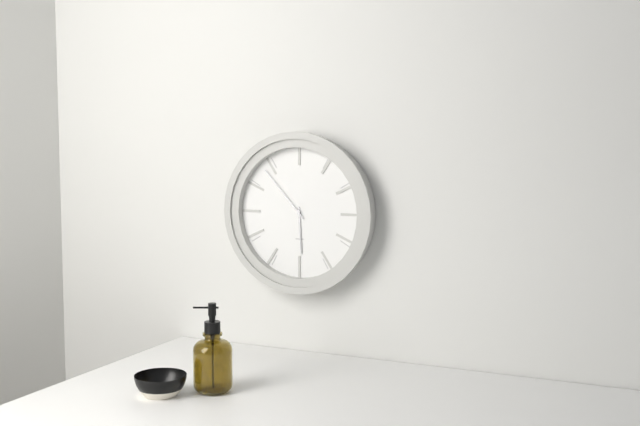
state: 5:53
